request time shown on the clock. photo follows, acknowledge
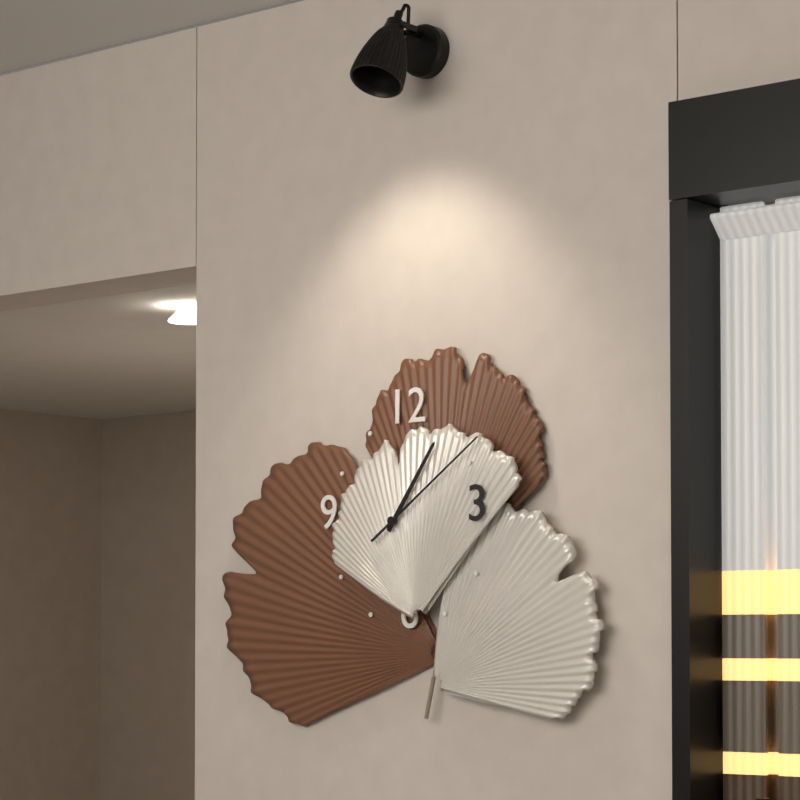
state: 1:09
